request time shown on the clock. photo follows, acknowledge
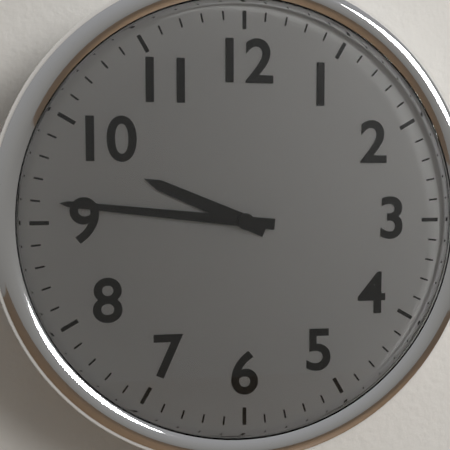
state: 9:46
